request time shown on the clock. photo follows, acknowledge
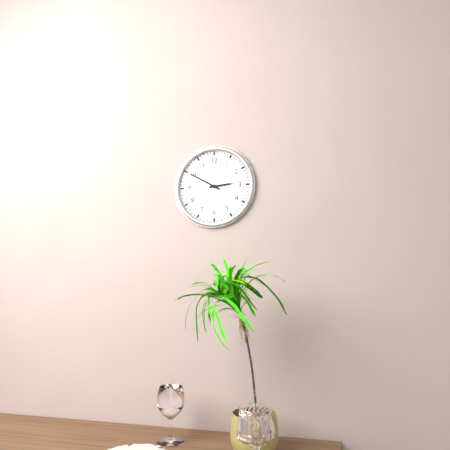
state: 2:50
